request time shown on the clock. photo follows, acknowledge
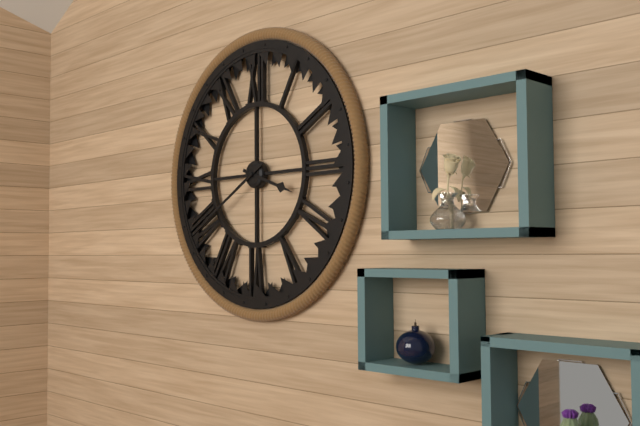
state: 3:40
